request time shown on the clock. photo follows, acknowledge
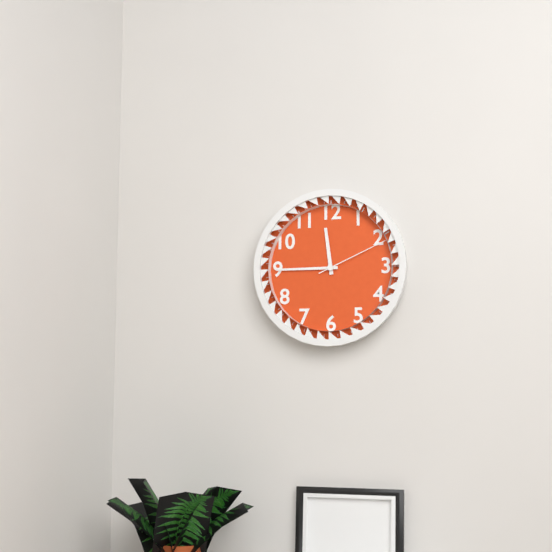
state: 11:45:11
